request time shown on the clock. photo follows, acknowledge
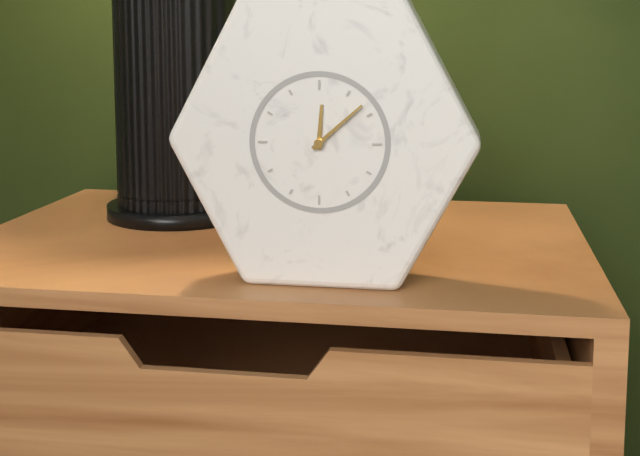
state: 12:08
